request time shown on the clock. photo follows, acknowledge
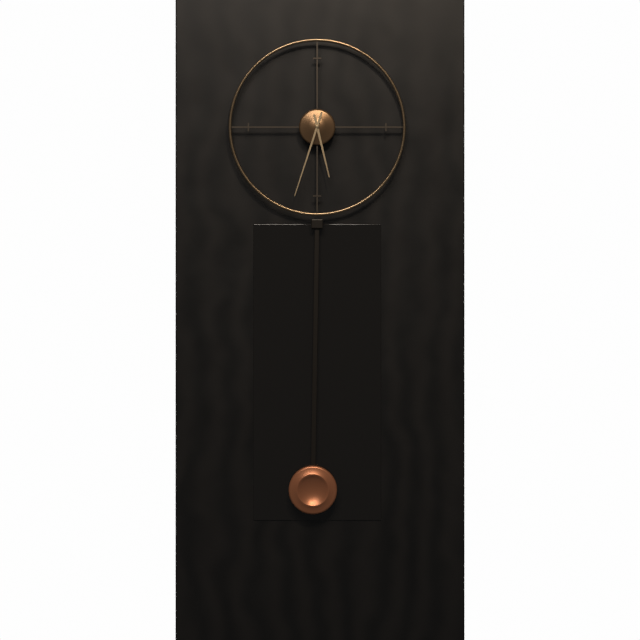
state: 5:33
